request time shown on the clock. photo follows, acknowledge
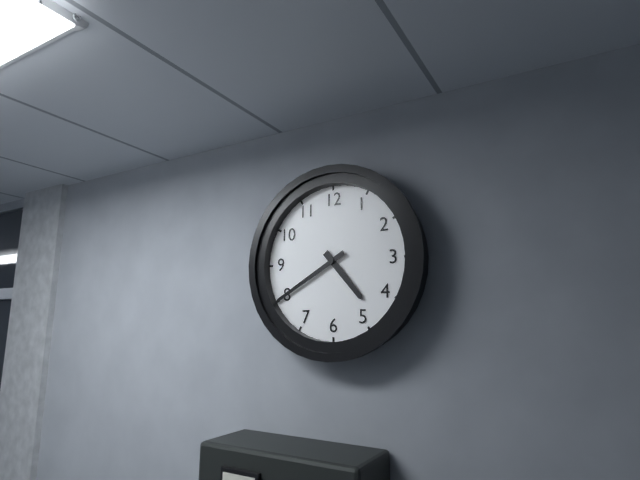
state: 4:40
